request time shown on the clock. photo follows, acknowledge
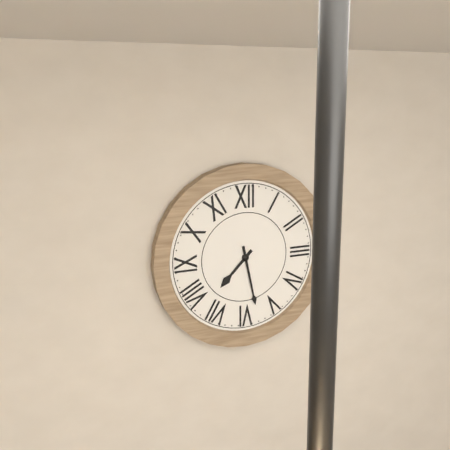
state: 7:28
